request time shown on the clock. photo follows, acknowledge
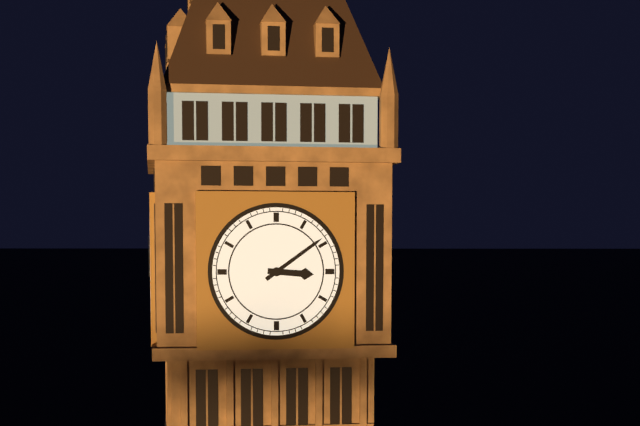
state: 3:09
